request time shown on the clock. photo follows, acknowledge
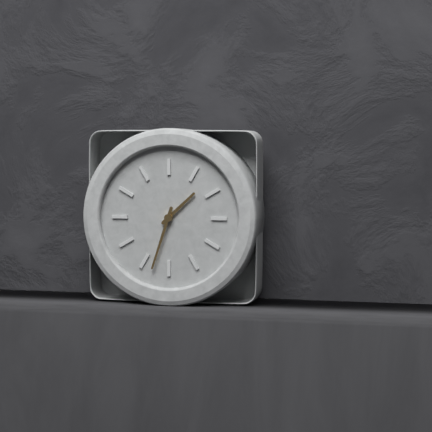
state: 1:33
